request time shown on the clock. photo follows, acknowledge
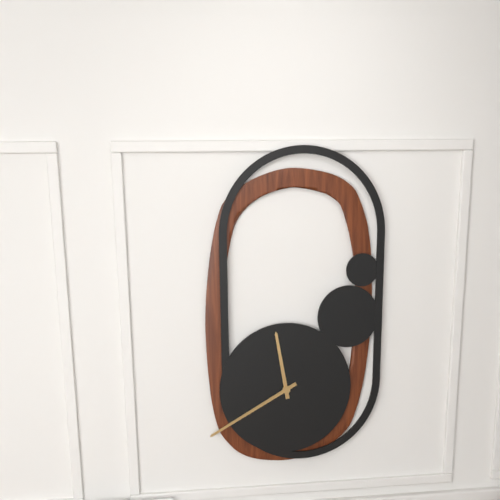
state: 11:40
